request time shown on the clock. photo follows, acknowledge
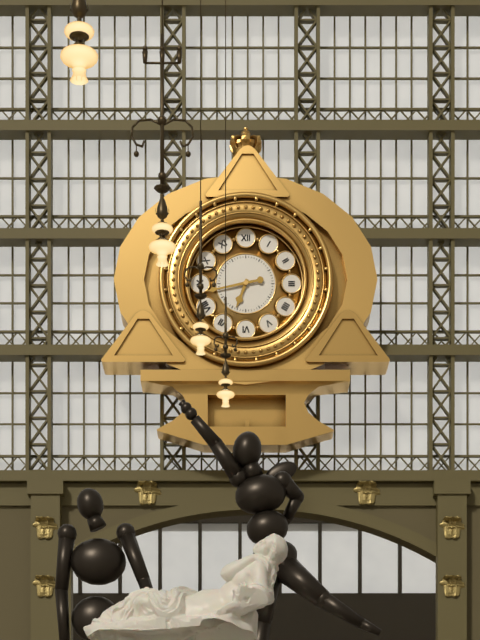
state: 6:43
